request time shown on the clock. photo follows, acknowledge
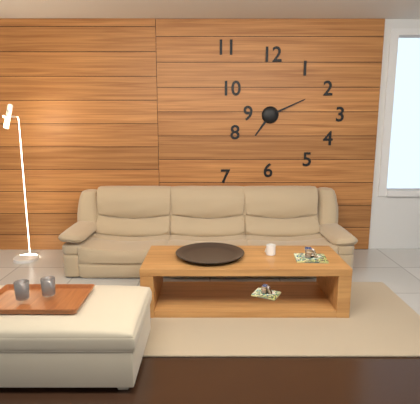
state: 7:11
